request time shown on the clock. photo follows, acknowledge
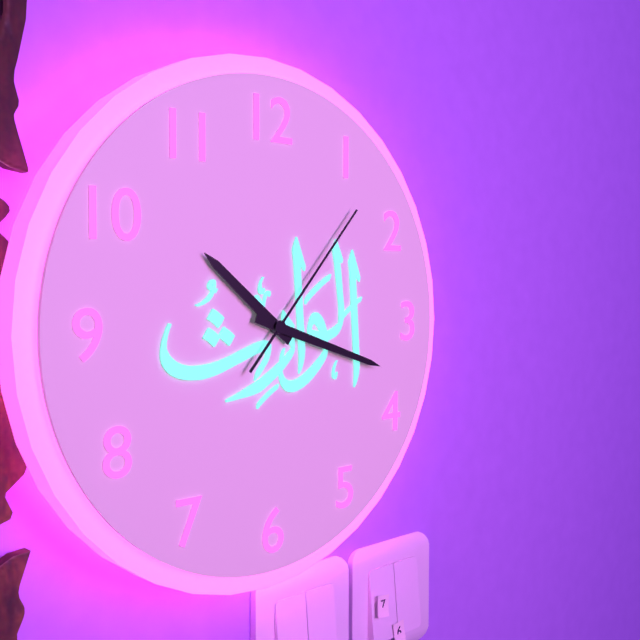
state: 10:18:07
